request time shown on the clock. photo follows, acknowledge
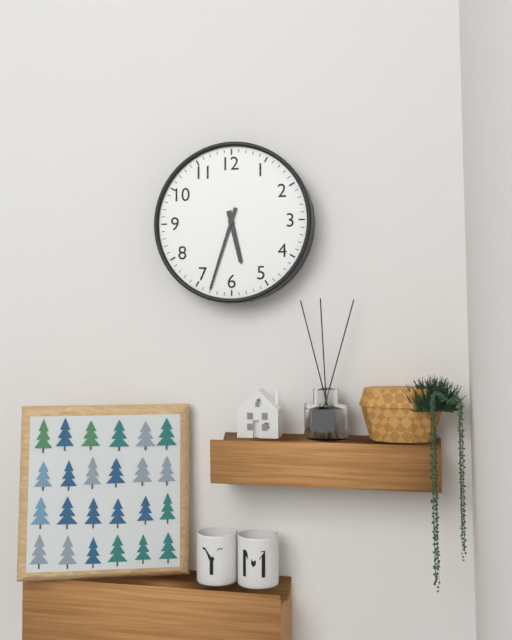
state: 5:33
